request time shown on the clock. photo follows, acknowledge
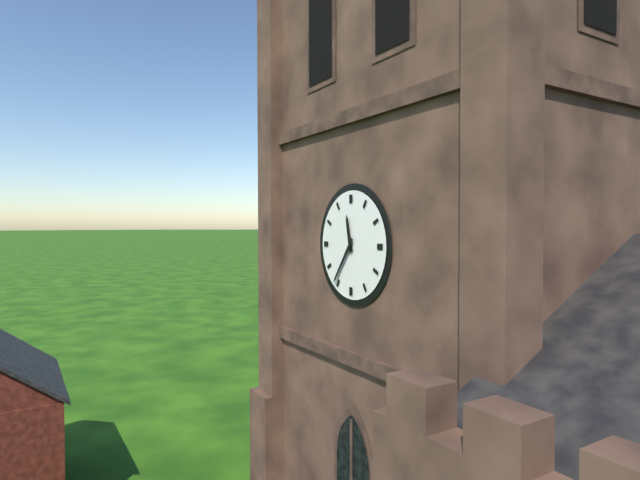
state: 11:36
